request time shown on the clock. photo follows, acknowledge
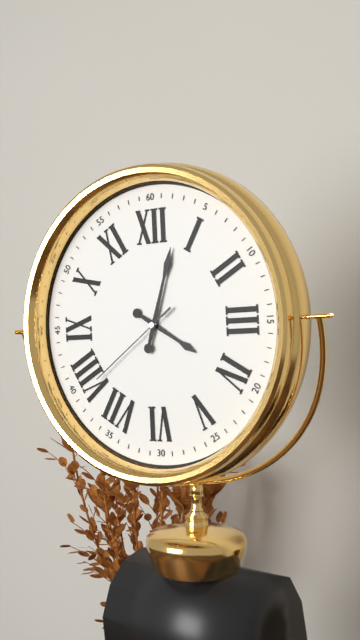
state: 4:03:39
